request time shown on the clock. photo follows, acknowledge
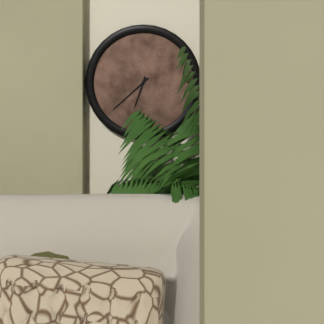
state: 6:38
